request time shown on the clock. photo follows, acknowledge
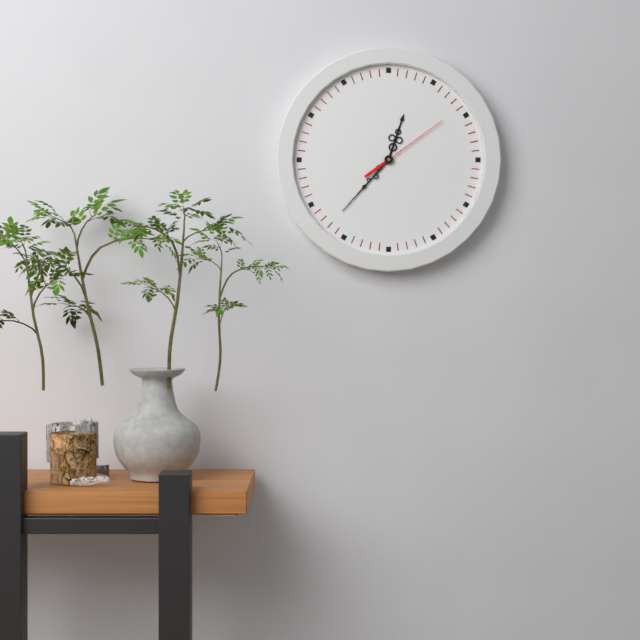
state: 12:37:09
